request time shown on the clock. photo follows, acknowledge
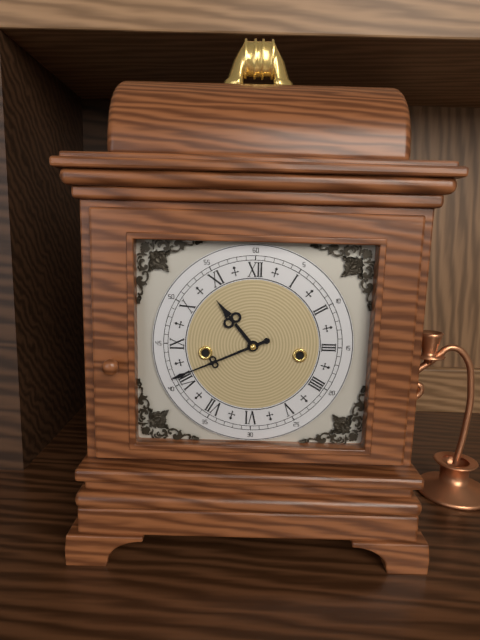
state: 10:41
